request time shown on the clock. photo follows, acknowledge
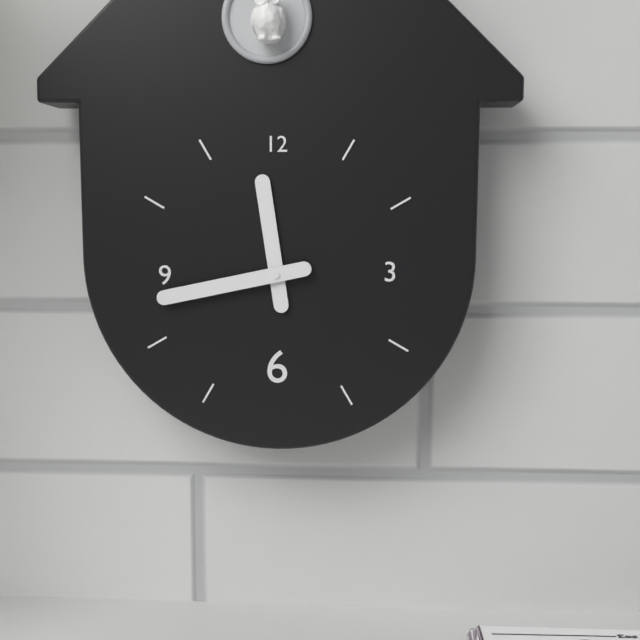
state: 11:43
